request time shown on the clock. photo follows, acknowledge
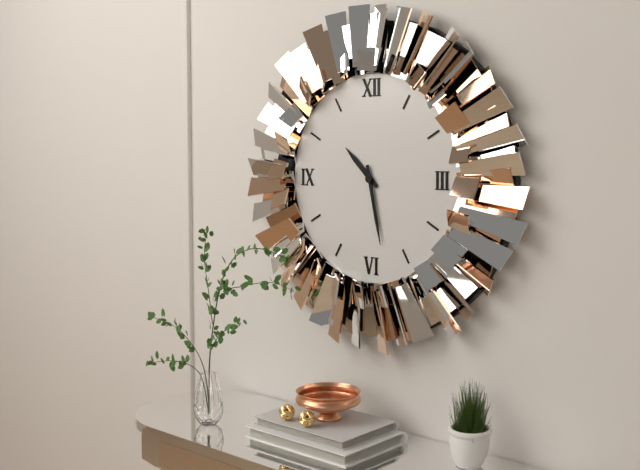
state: 10:28
